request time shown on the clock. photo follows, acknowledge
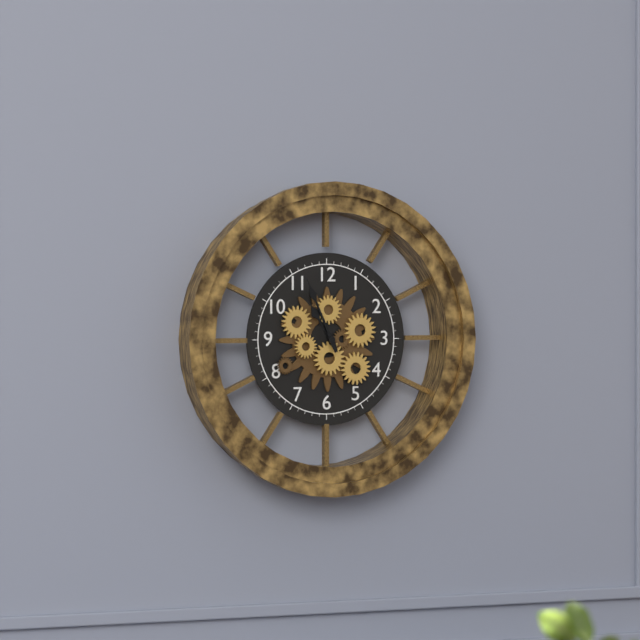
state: 10:56
